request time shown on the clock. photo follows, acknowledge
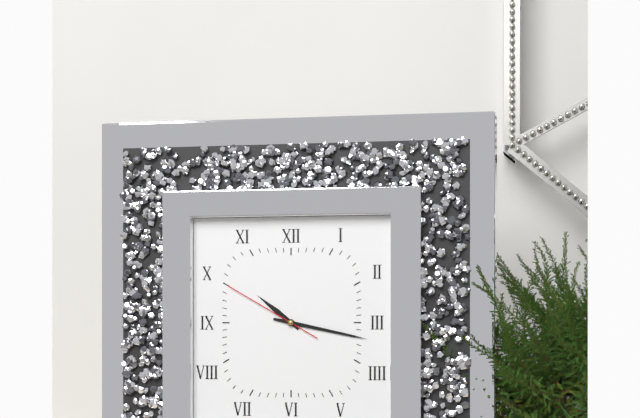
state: 10:17:50
